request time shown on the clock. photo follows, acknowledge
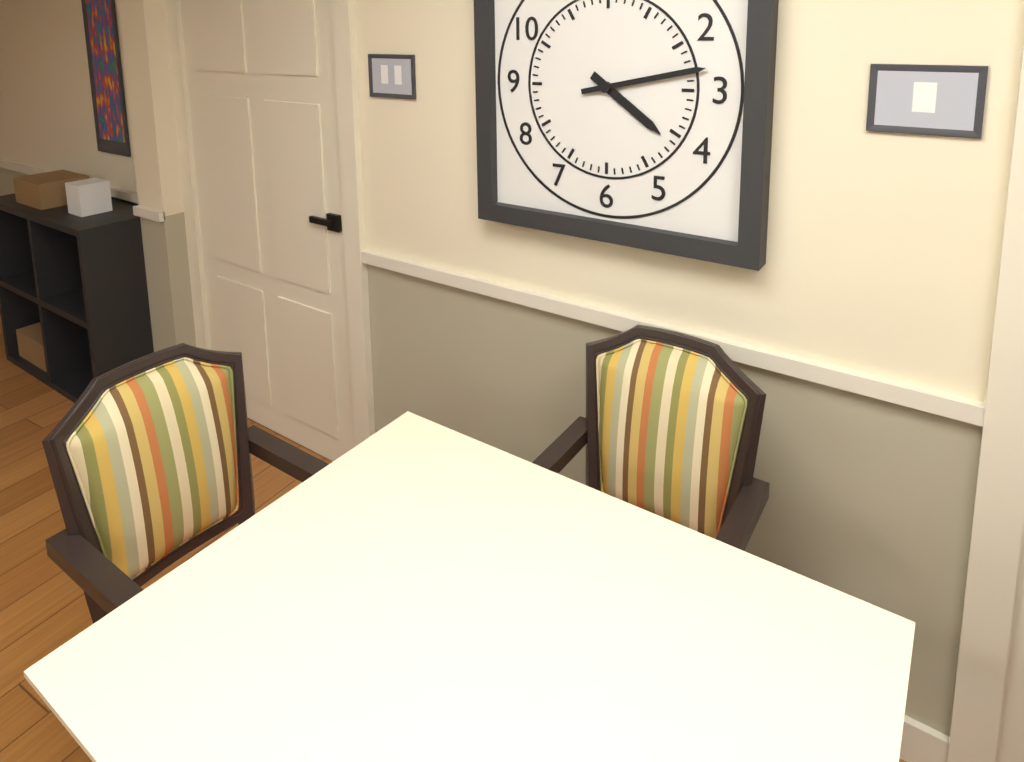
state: 4:13
